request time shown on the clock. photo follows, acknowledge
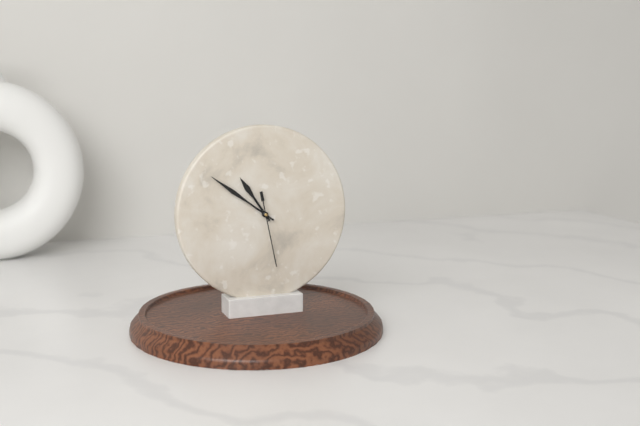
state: 10:51:28
